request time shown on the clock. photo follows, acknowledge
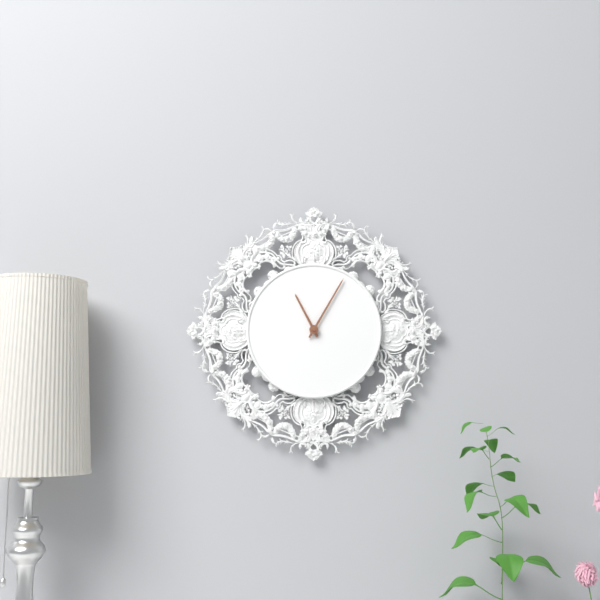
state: 11:05
